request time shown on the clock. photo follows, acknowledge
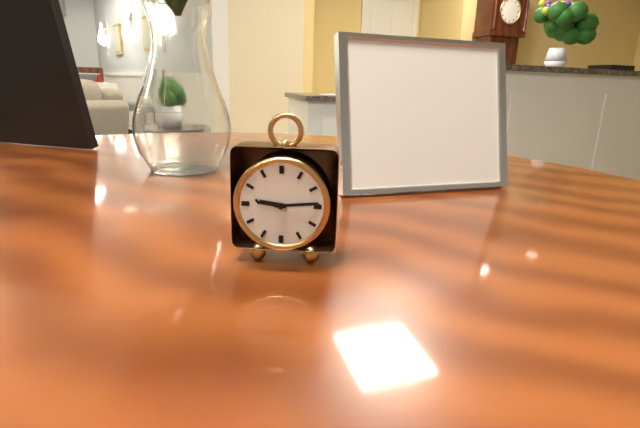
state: 9:14
